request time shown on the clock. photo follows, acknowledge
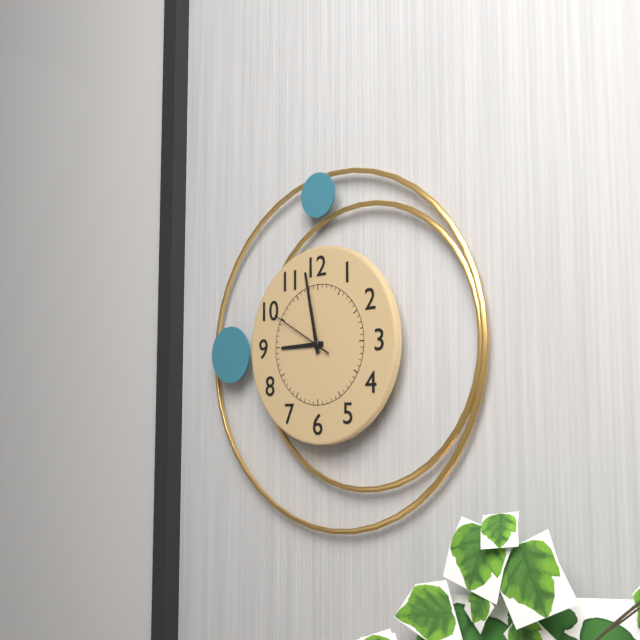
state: 8:58:50
